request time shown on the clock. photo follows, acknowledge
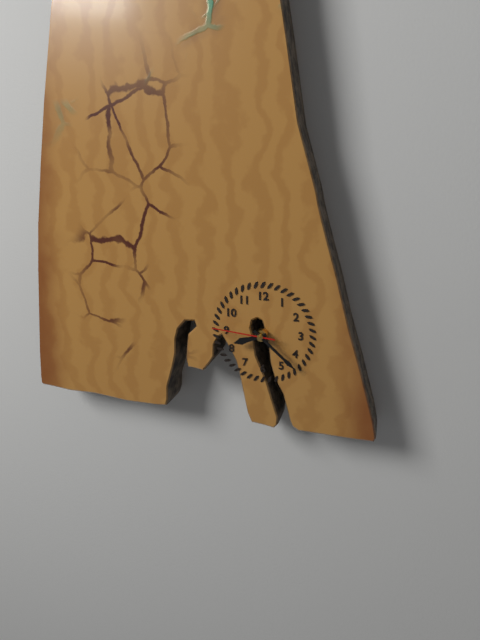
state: 8:22:46
